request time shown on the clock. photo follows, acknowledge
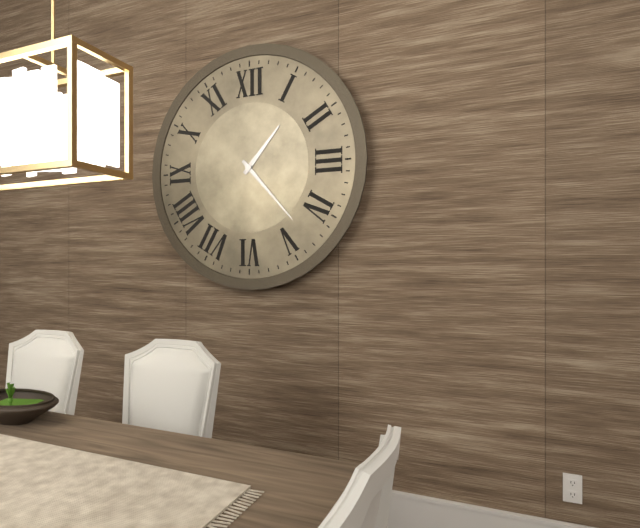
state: 1:23
